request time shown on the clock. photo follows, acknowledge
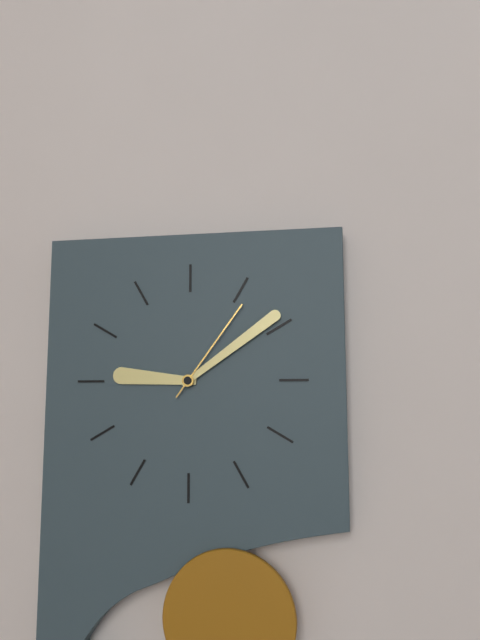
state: 9:09:06
